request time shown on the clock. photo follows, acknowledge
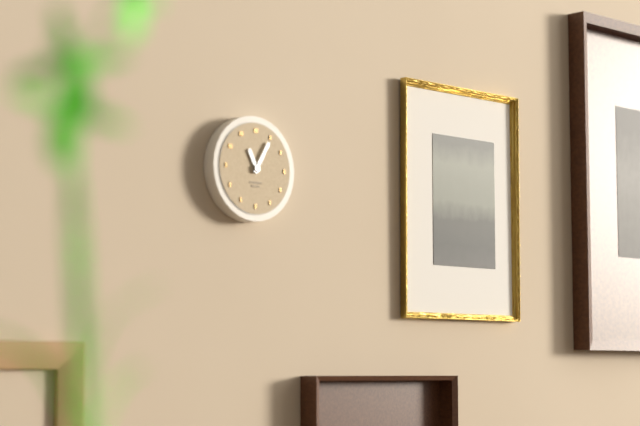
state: 11:05
